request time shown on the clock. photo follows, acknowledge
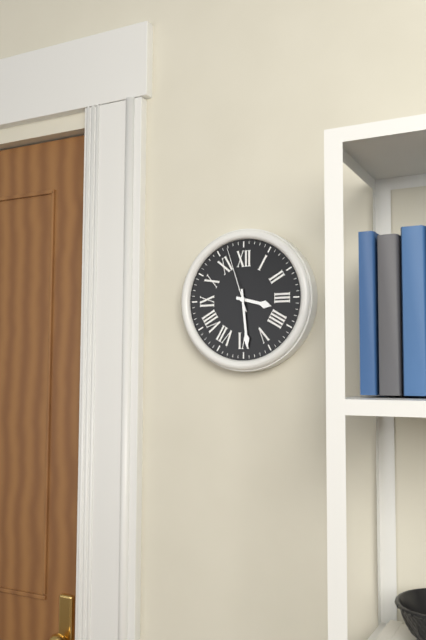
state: 3:29:57
